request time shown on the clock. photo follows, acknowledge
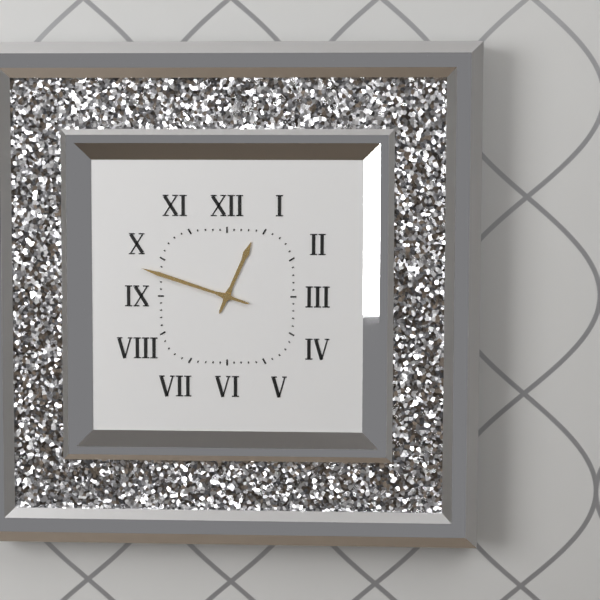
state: 12:48
